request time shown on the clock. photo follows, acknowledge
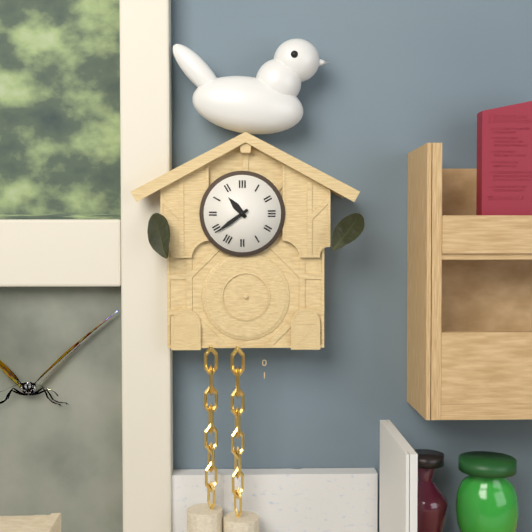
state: 10:39
